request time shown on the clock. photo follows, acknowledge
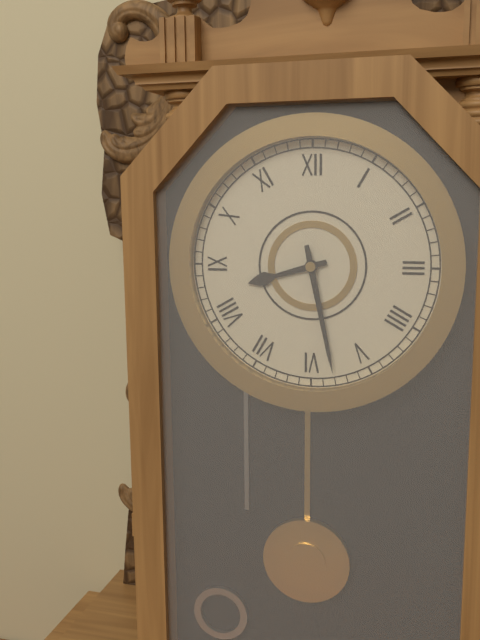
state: 8:28
